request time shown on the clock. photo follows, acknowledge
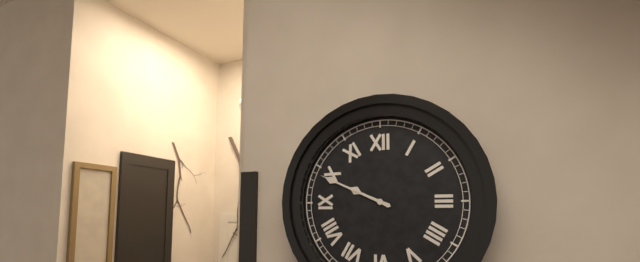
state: 9:49
